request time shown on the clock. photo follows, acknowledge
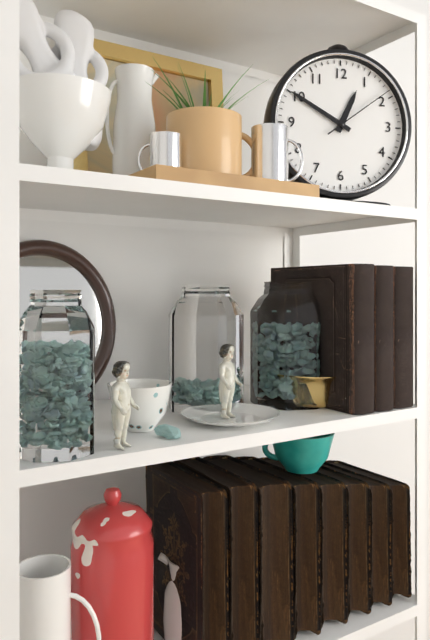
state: 12:50:09
